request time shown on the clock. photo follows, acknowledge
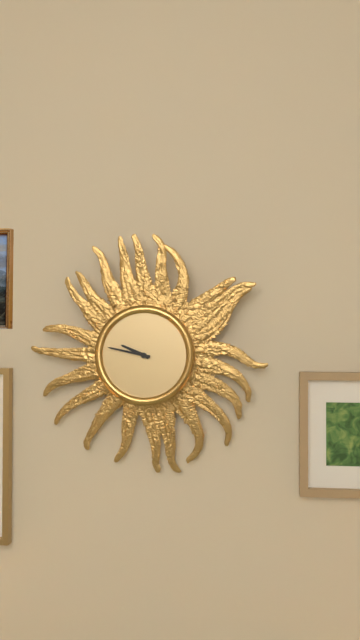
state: 9:47
